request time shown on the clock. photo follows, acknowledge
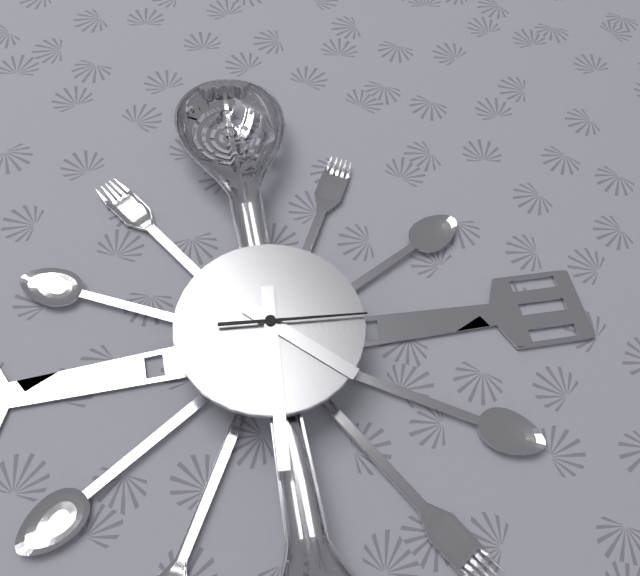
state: 4:31:16
